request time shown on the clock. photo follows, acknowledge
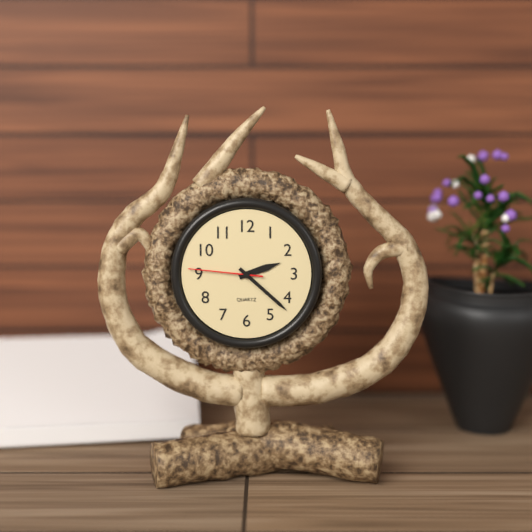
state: 2:22:46
